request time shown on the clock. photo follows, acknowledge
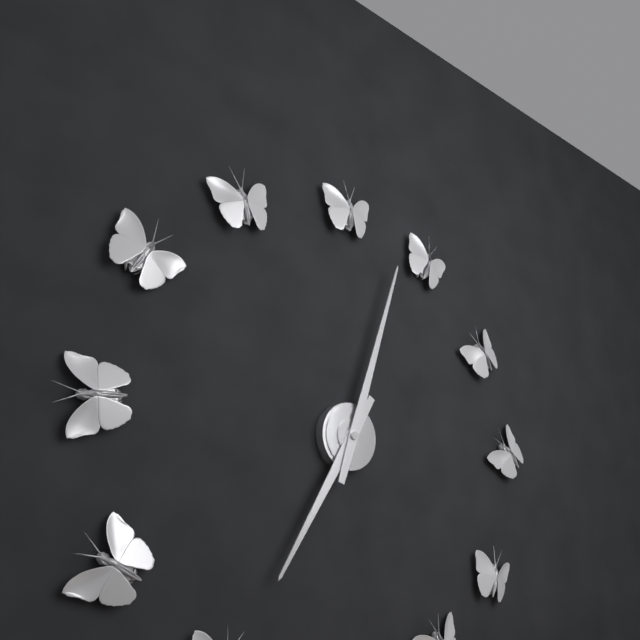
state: 7:03
